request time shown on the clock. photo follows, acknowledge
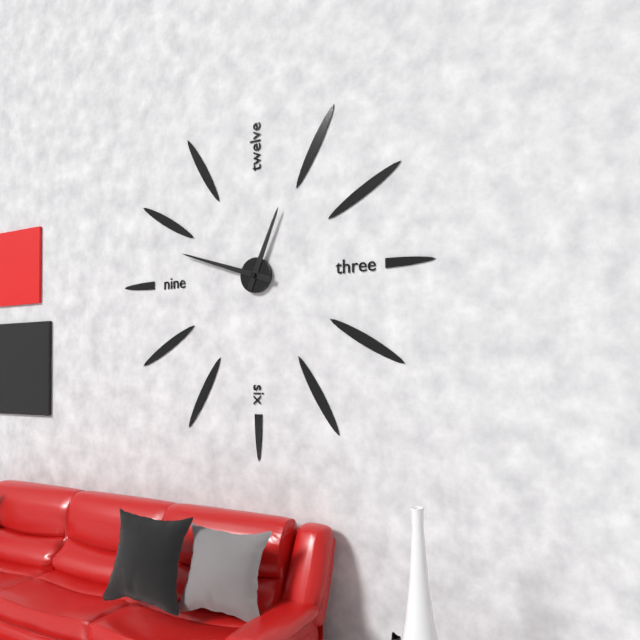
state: 12:48
